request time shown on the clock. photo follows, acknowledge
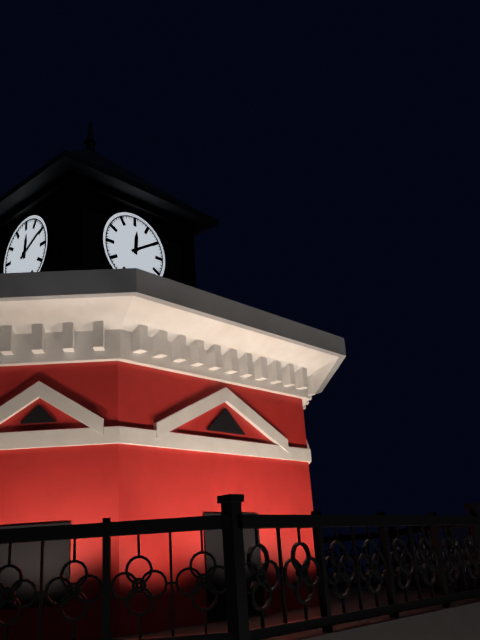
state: 12:10
